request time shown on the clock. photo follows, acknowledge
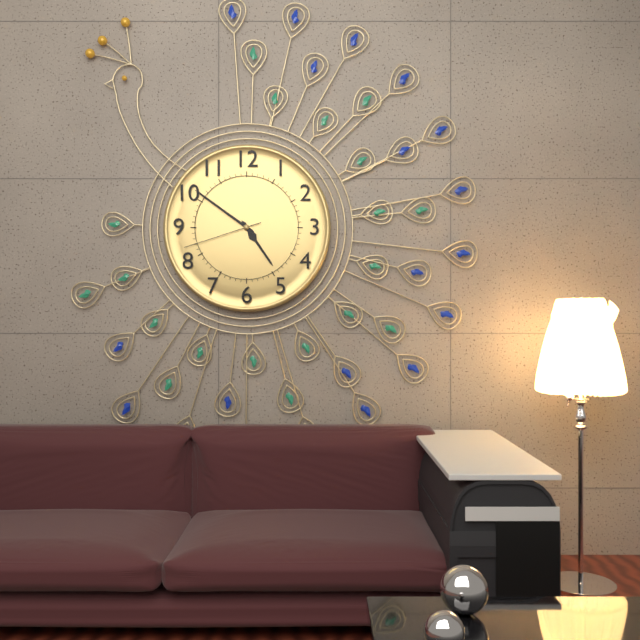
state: 4:51:42
